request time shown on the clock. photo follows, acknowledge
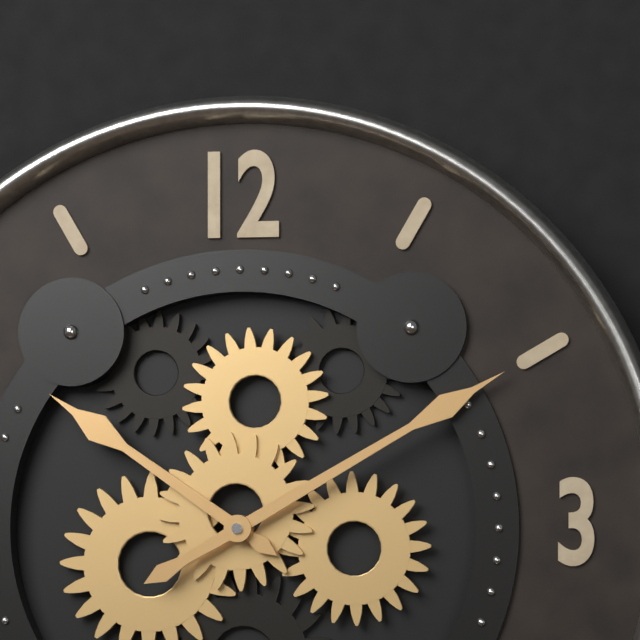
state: 10:10
